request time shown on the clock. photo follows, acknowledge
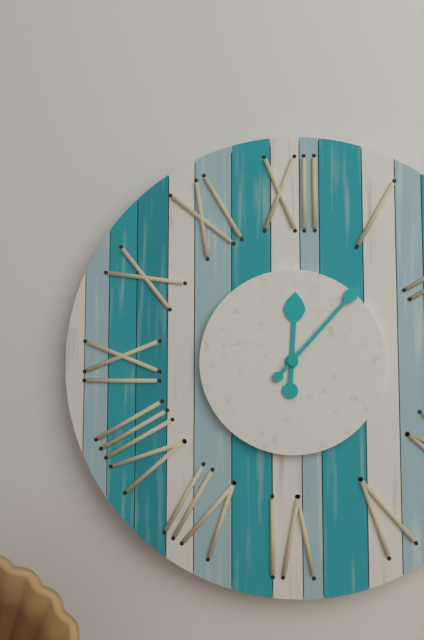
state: 12:07
